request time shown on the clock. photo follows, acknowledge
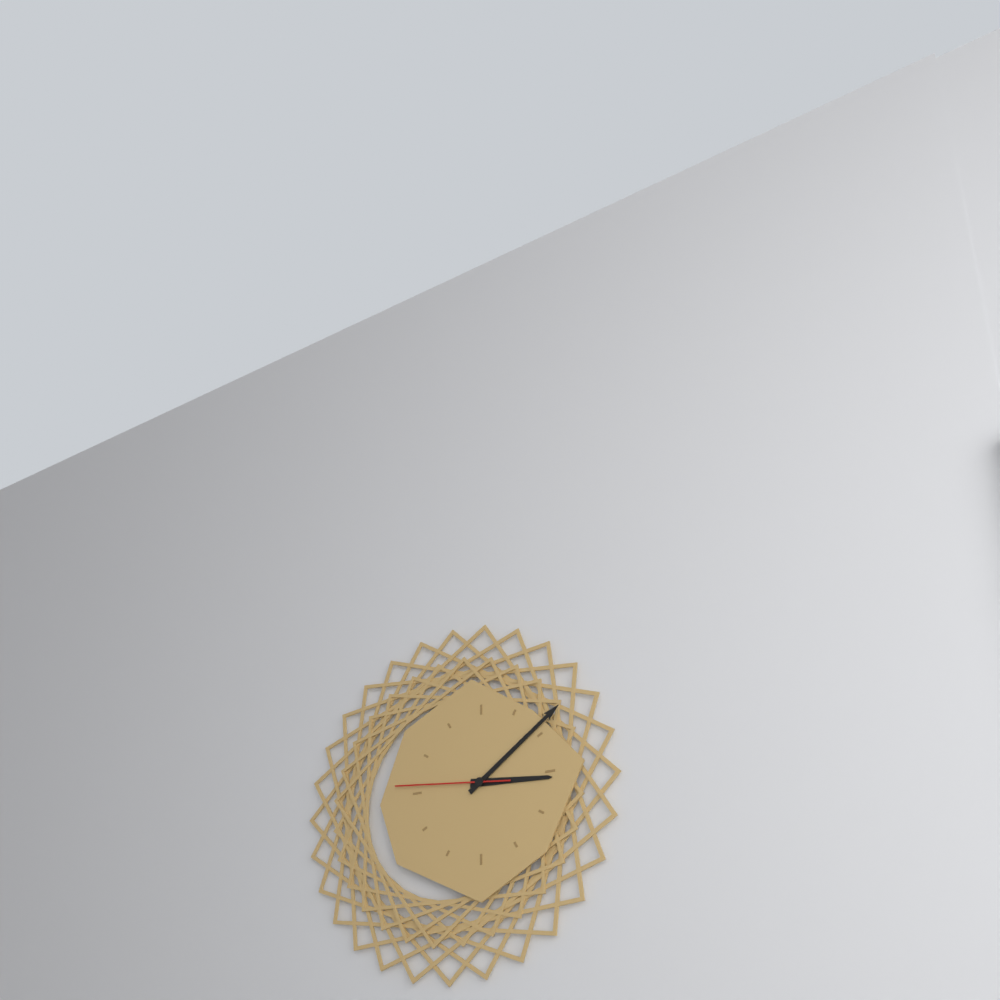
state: 3:09:46
